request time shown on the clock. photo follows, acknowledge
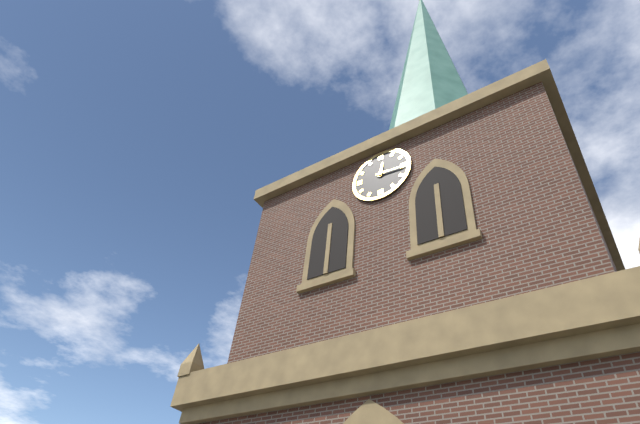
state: 12:16
